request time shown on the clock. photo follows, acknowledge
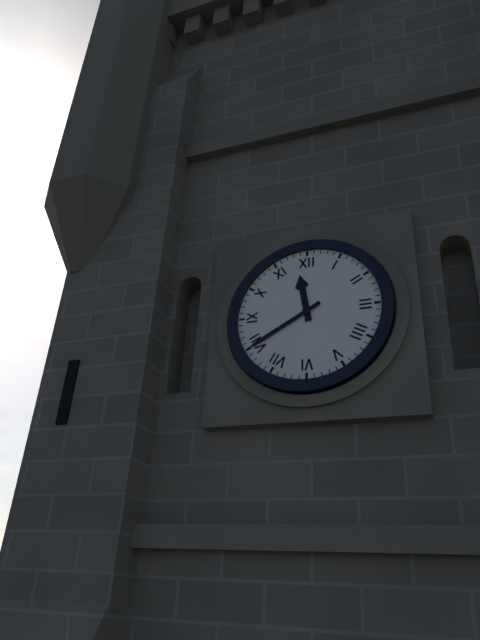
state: 11:40
